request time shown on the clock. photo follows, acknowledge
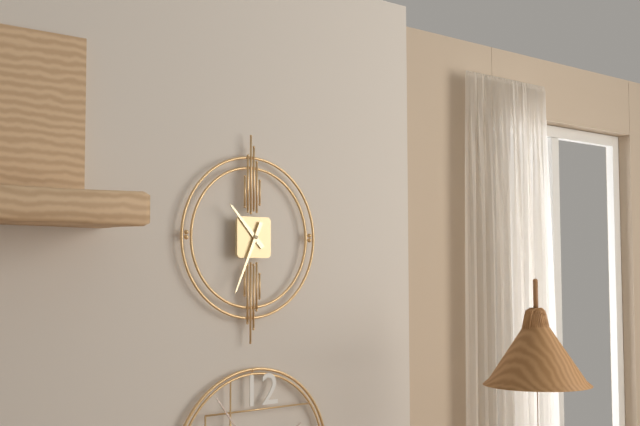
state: 10:34
